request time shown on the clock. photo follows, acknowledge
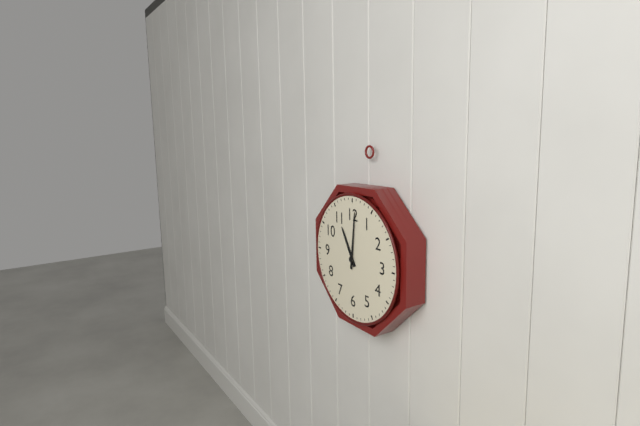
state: 11:01
